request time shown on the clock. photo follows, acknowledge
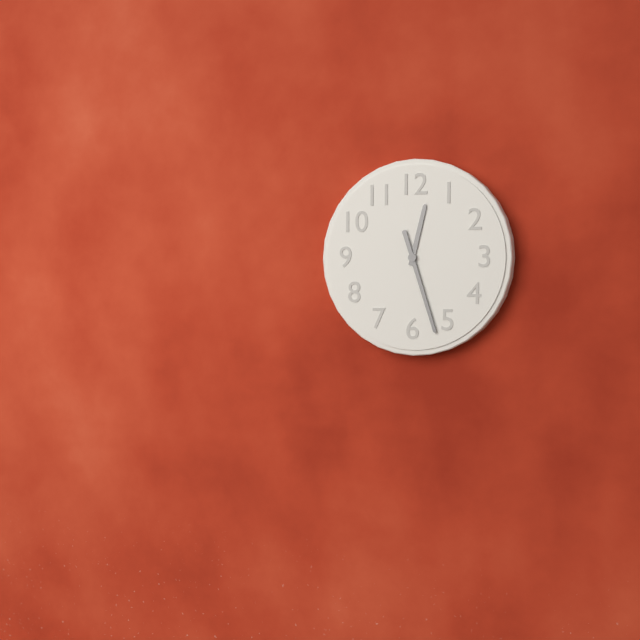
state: 12:27
